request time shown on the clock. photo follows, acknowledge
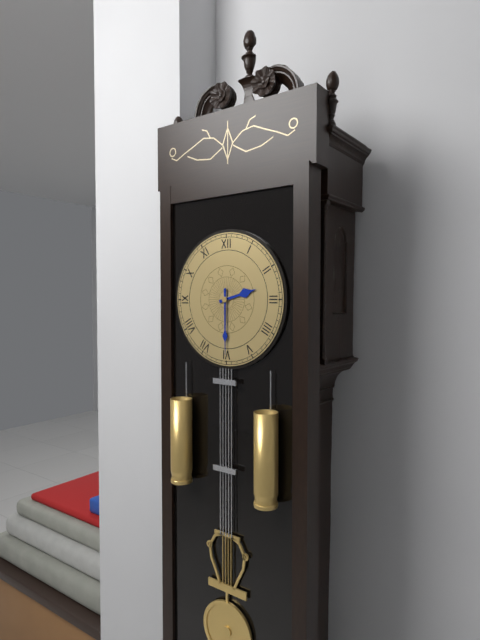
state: 2:30
